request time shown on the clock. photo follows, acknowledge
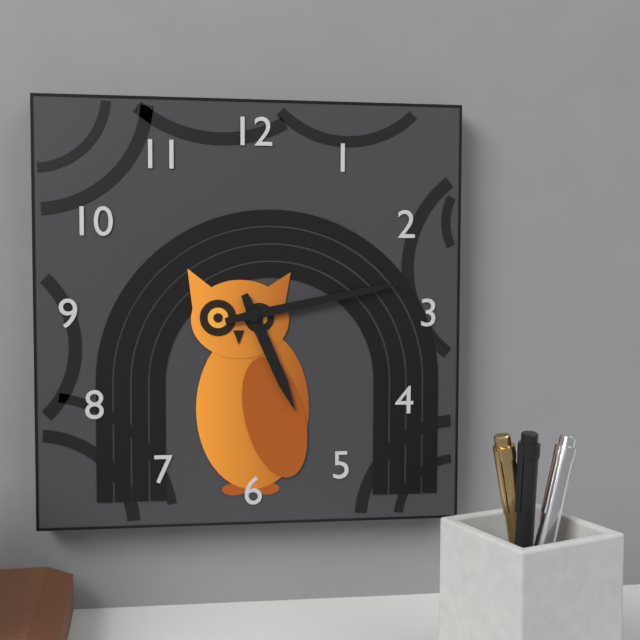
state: 5:13
